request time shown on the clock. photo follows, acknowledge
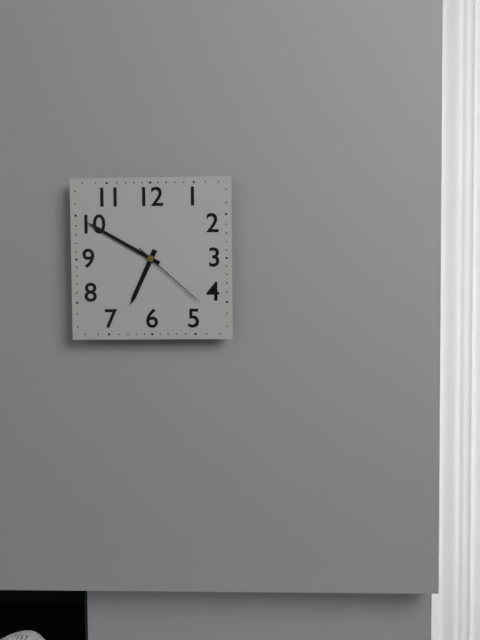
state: 6:50:22
